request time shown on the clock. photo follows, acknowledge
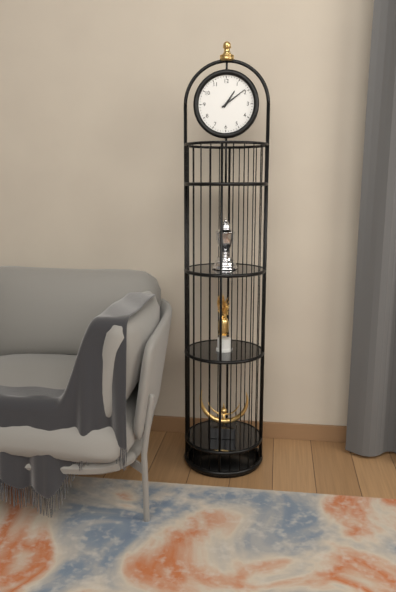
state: 1:09
